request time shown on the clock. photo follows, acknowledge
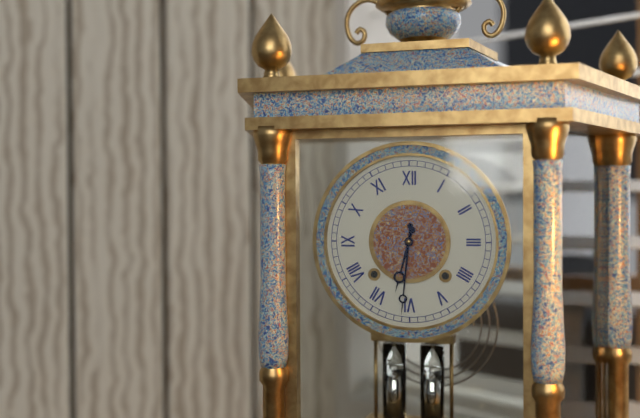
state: 6:31
